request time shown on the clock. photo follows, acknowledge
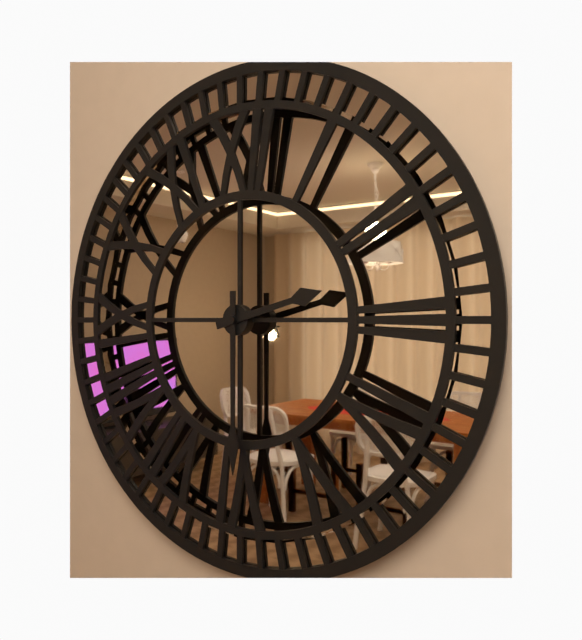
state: 2:30
